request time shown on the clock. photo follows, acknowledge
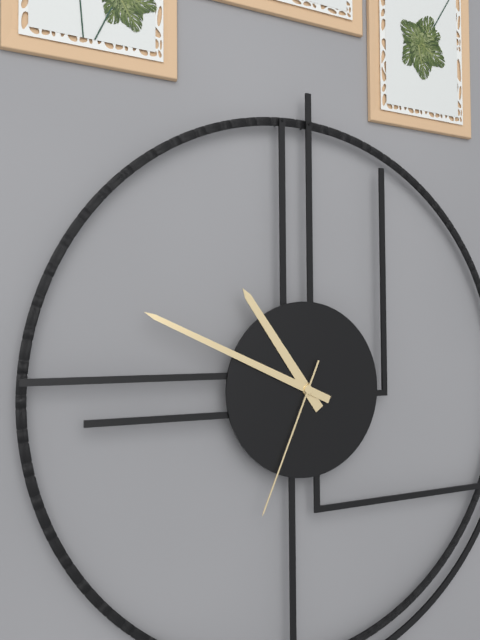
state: 10:49:34
